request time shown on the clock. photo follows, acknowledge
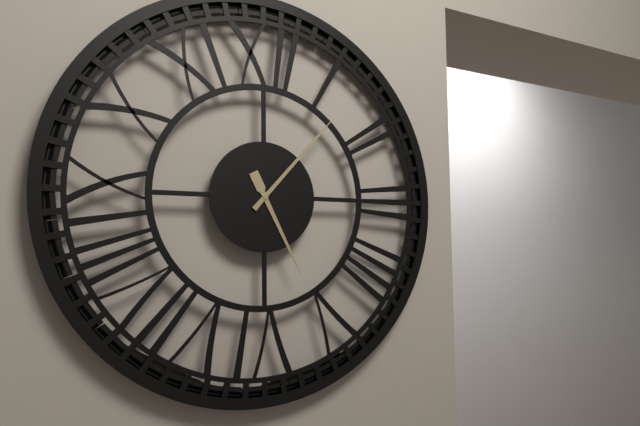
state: 5:07
